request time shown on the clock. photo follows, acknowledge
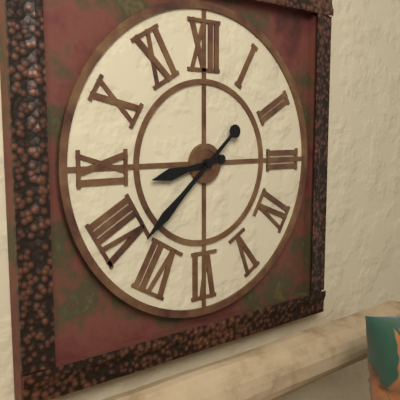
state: 8:38
